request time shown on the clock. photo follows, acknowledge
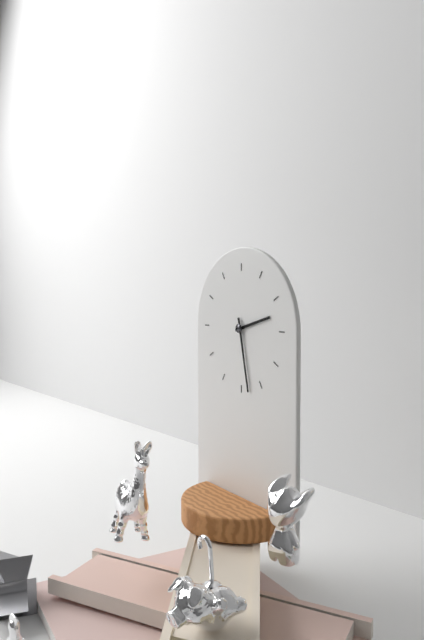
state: 2:28
